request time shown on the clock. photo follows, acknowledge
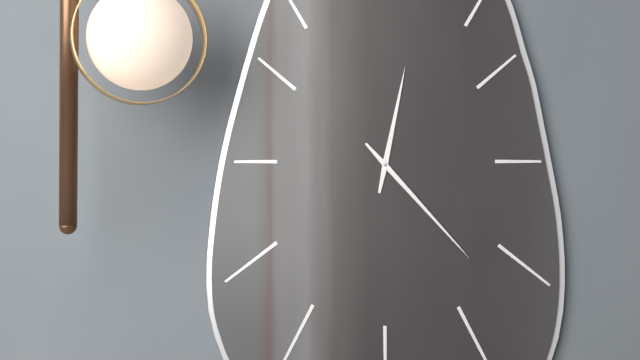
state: 12:23
